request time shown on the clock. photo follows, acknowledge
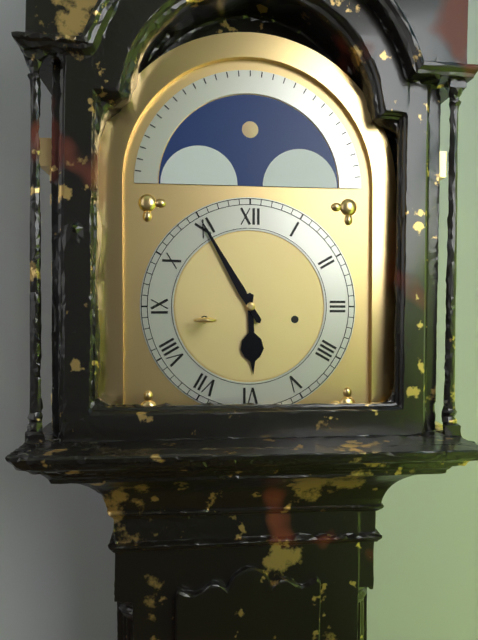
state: 5:55
